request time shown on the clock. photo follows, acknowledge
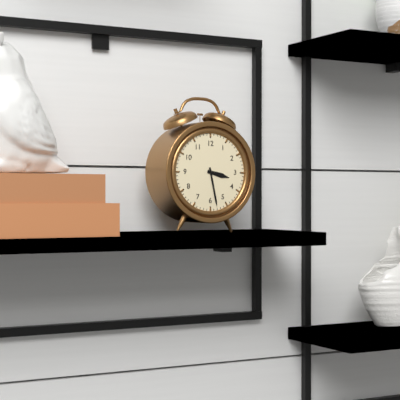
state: 3:28
